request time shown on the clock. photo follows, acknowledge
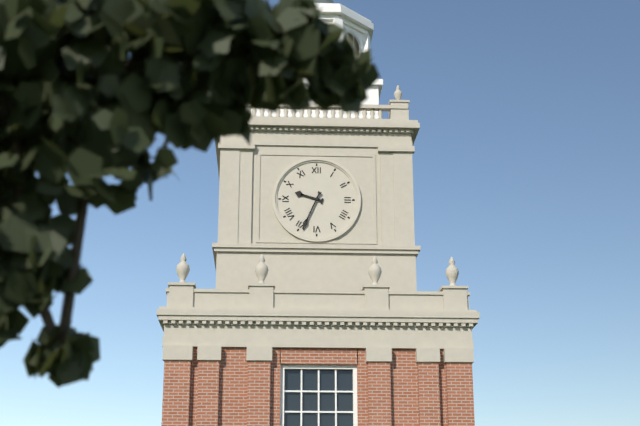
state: 9:34
